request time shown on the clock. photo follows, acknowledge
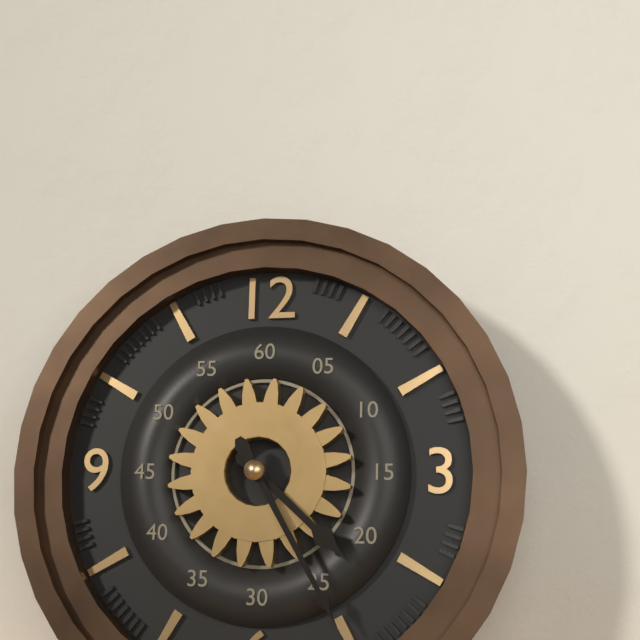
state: 4:25
